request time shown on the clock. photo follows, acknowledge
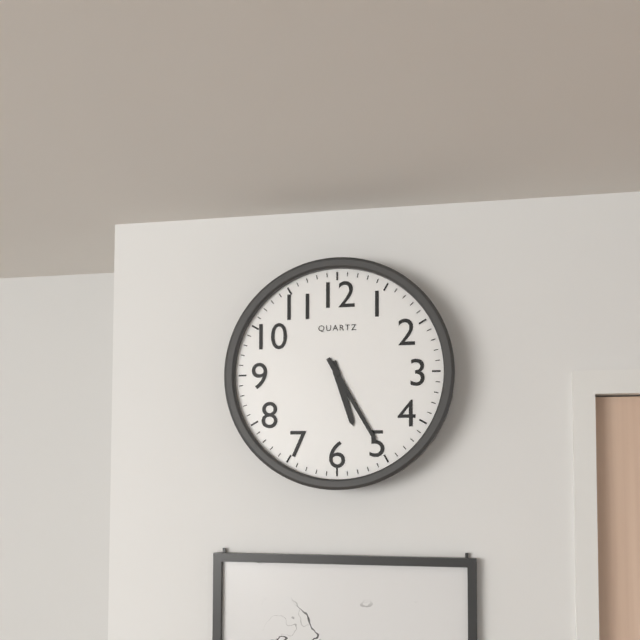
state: 5:25
